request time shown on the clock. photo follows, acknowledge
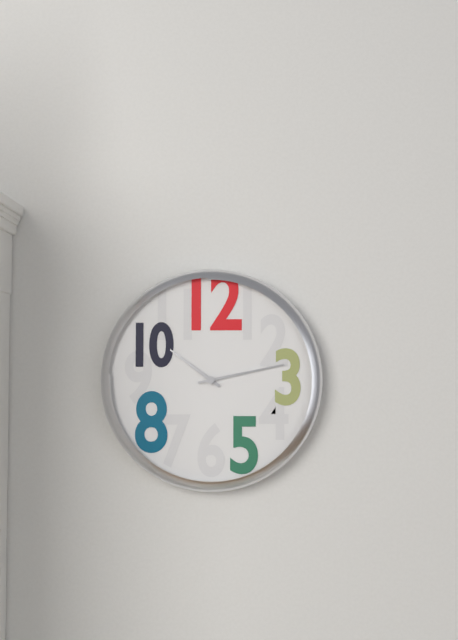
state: 10:13
